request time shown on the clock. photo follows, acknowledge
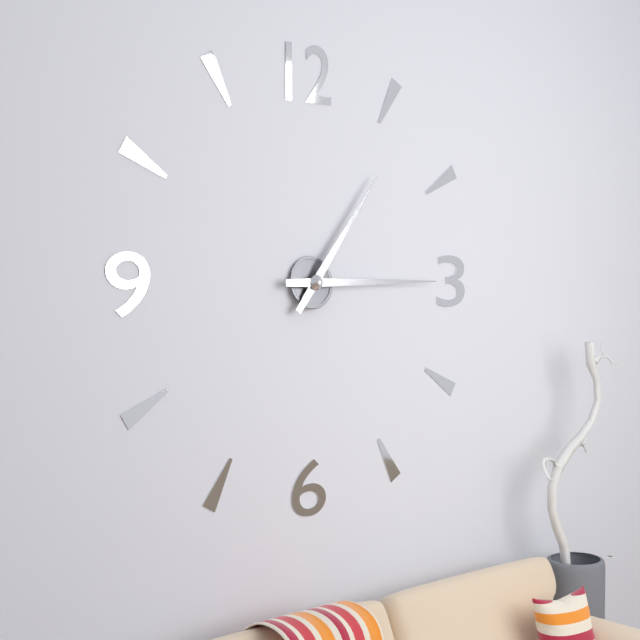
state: 1:15
